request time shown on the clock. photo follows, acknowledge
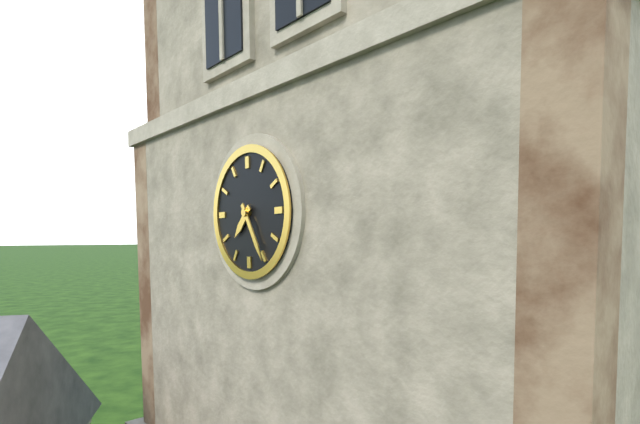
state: 7:25
